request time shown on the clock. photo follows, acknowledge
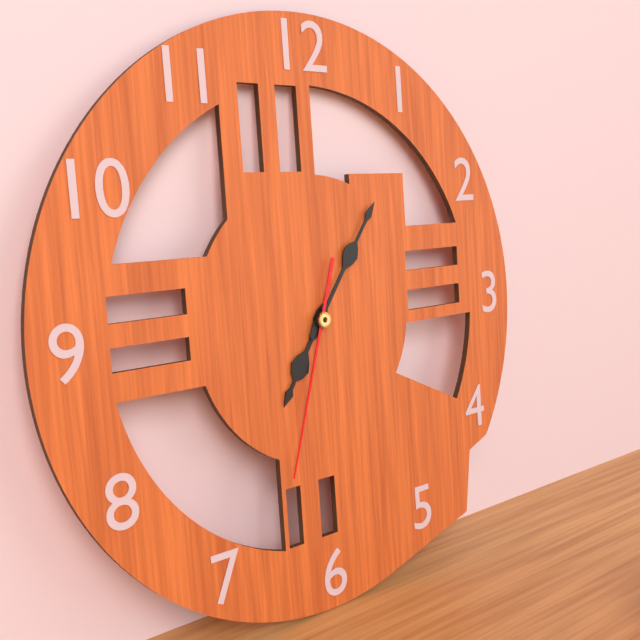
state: 7:06:33
